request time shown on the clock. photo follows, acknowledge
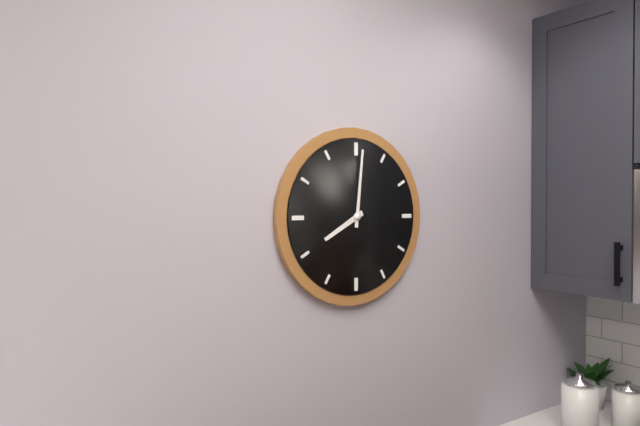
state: 8:01
